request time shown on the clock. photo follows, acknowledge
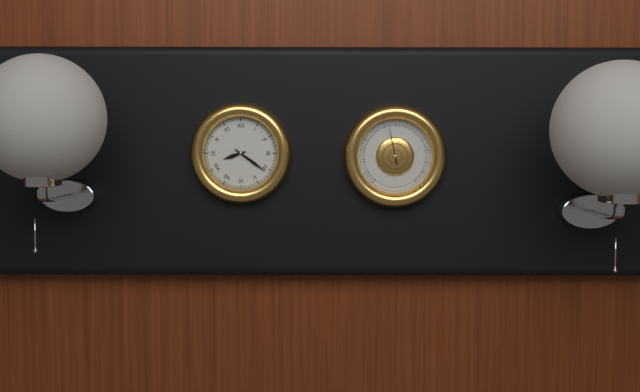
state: 8:21
